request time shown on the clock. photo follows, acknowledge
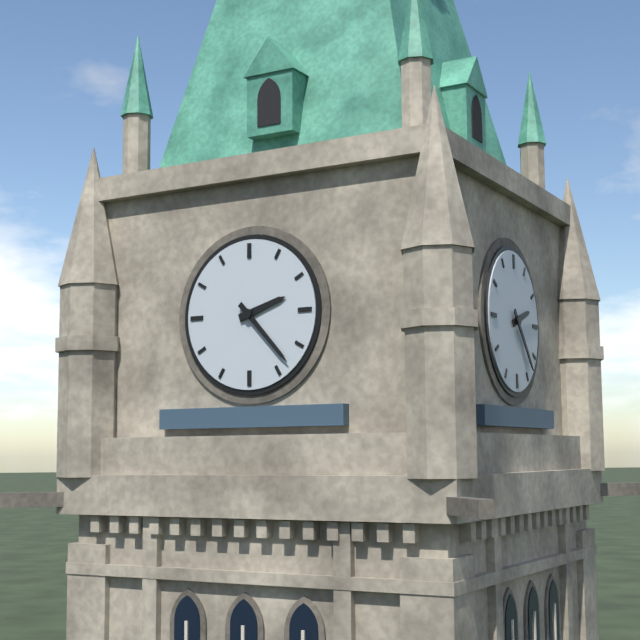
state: 2:23
